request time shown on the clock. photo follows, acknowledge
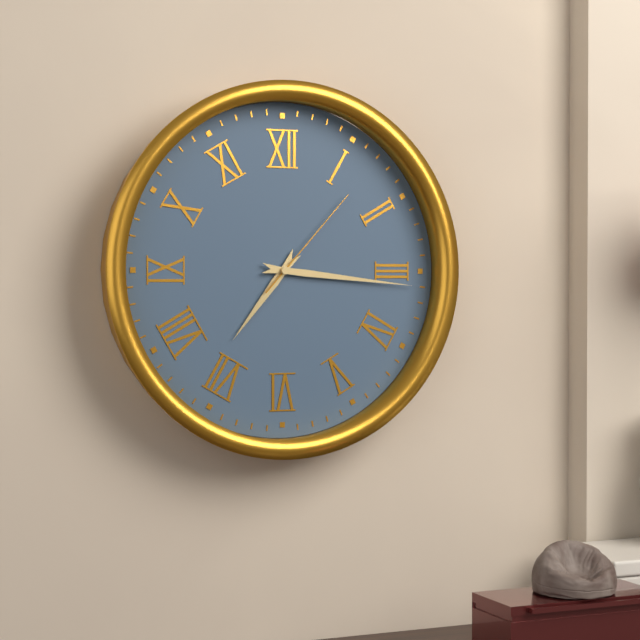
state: 7:16:07
